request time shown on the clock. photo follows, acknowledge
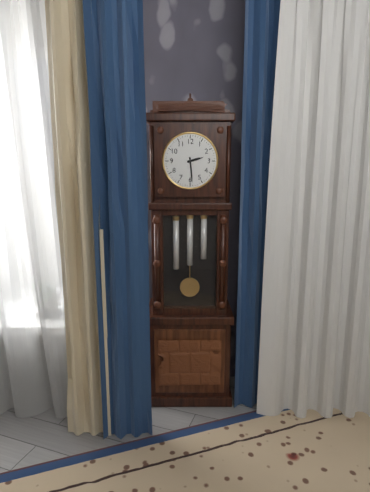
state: 2:29
